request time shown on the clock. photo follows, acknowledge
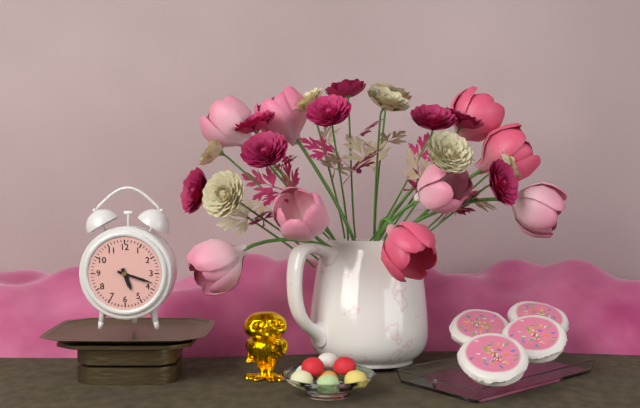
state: 5:18
